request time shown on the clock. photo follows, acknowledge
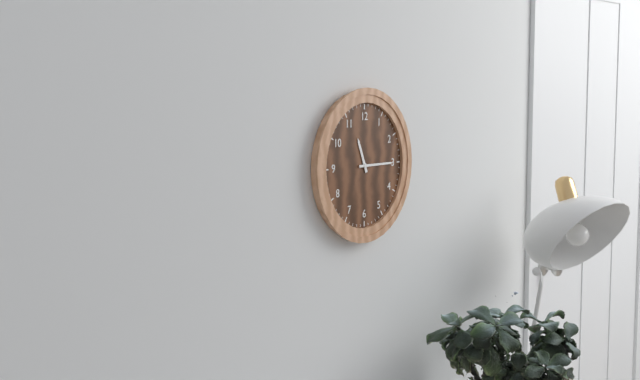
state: 11:15
